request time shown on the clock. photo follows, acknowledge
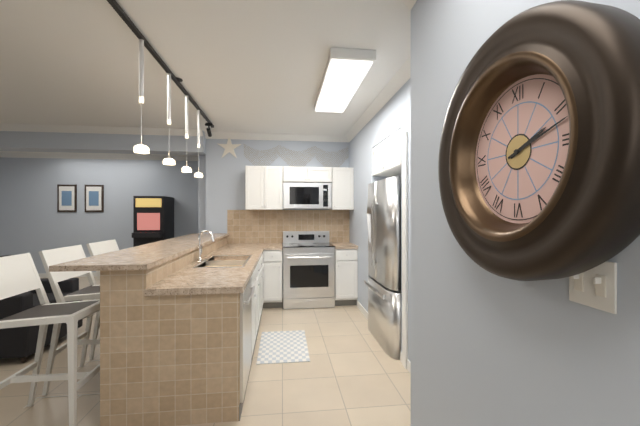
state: 2:12
